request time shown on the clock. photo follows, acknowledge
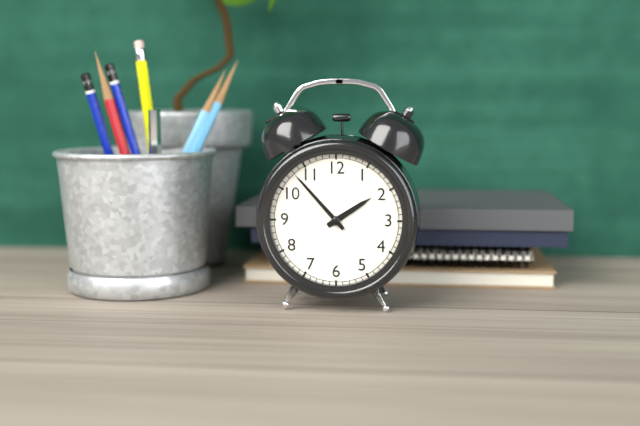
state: 1:53
